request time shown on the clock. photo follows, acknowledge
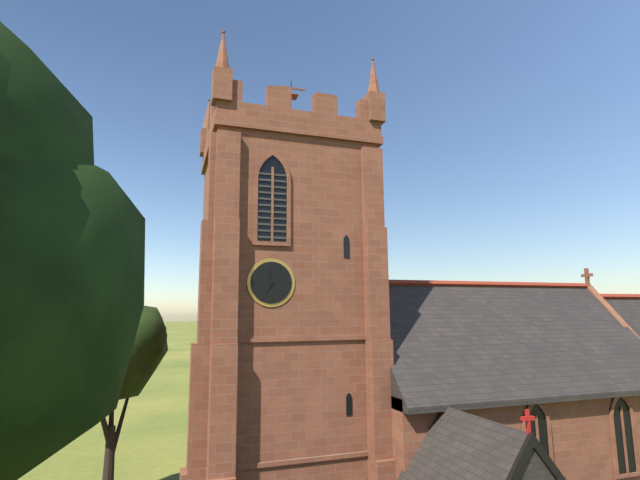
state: 6:58
